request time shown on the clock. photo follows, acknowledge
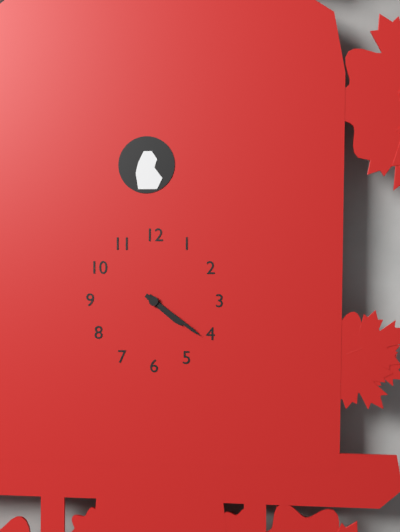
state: 4:21
